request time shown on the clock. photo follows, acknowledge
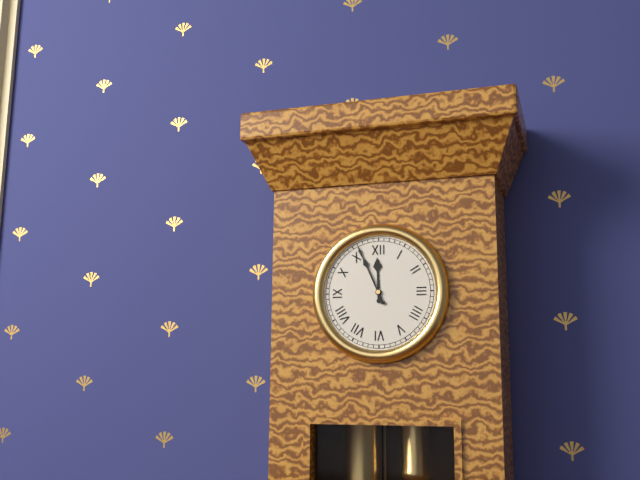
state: 11:56
